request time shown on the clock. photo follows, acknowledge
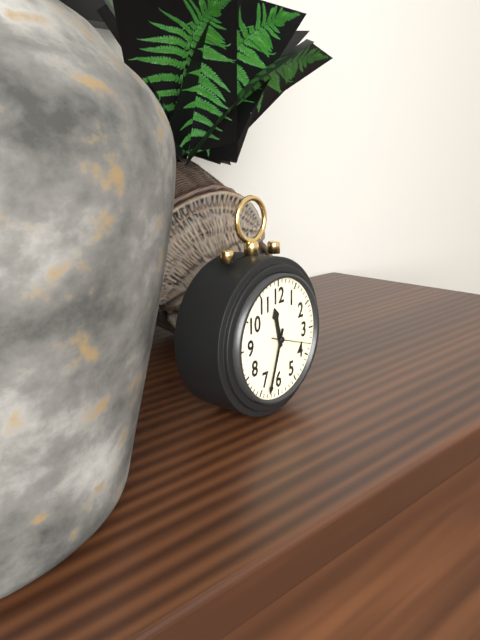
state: 11:33
